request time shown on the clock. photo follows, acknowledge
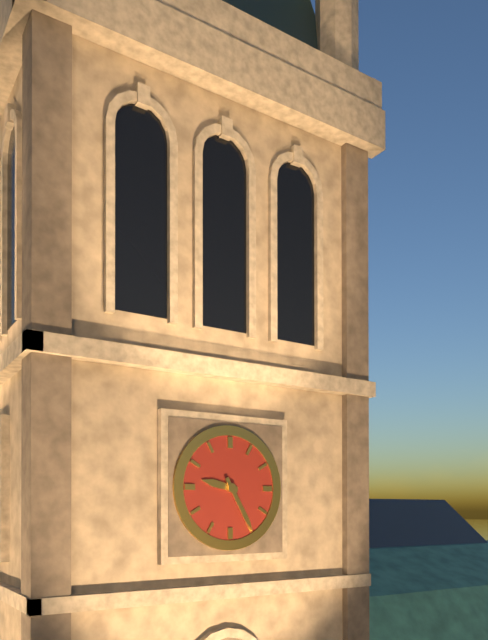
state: 9:25
